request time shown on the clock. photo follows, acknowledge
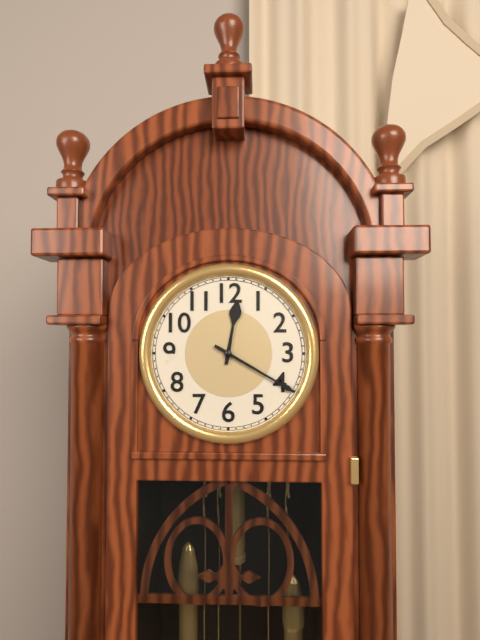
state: 12:20
